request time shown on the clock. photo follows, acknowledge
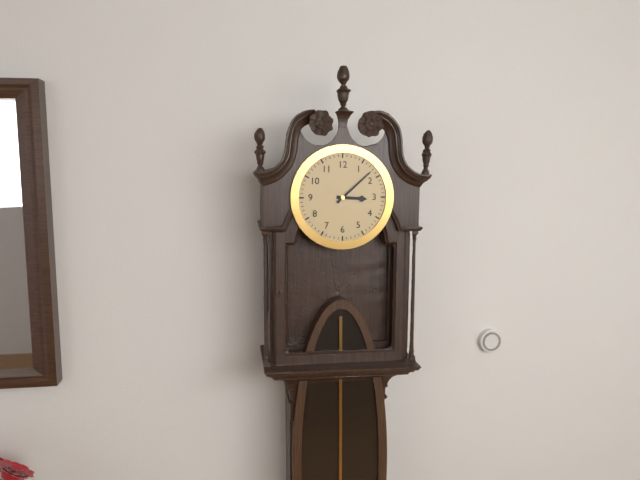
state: 3:08
